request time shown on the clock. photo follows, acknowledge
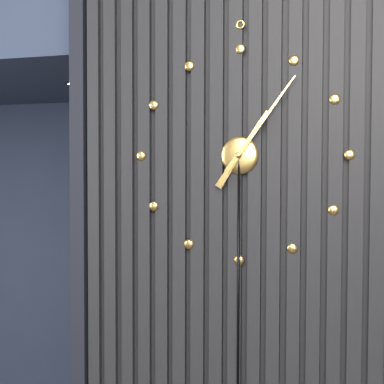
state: 1:06
